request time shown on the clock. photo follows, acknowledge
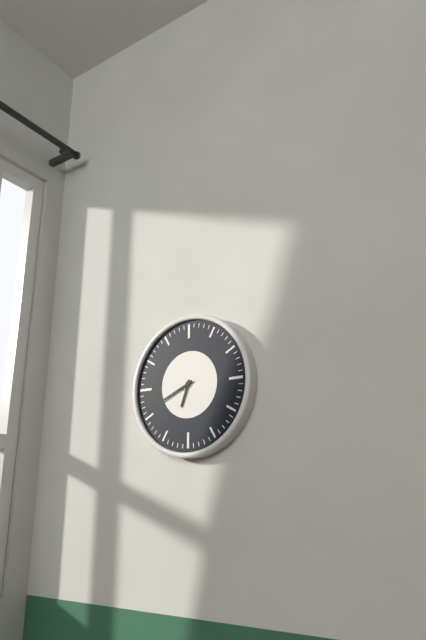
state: 6:41
